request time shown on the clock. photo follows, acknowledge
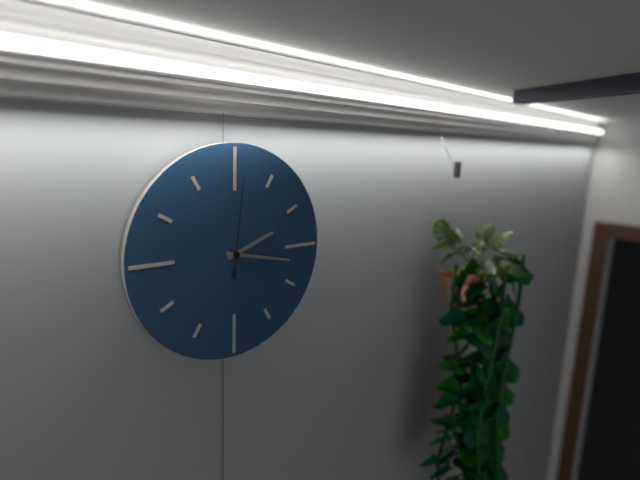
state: 2:17:01
